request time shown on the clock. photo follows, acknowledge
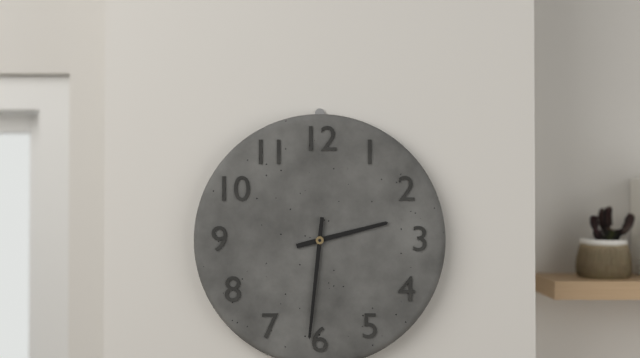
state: 2:31
